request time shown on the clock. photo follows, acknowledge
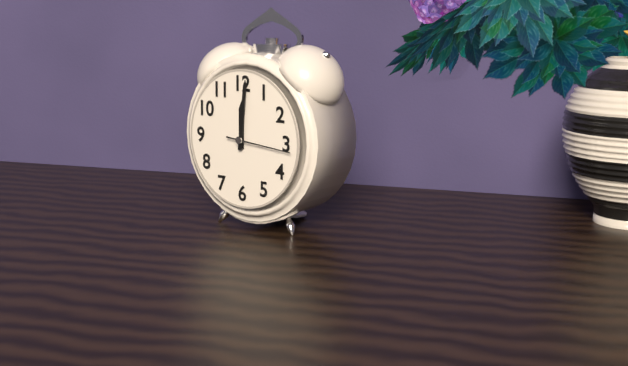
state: 12:01:16
